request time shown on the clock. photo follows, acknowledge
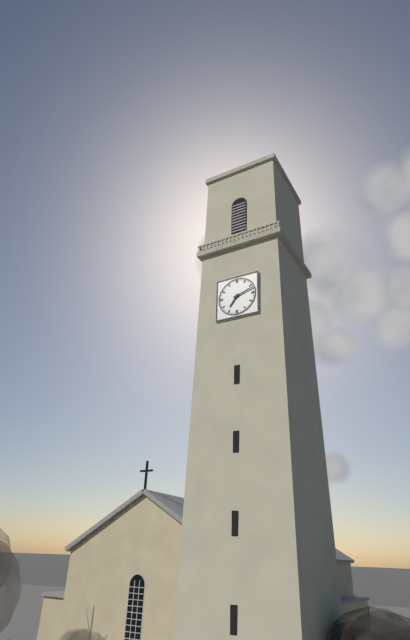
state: 7:12
